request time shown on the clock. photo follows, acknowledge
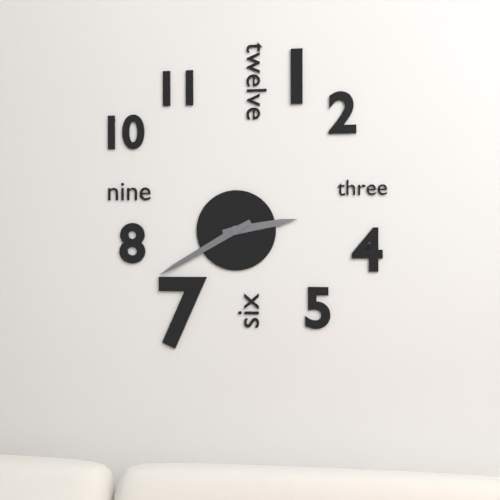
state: 2:40
